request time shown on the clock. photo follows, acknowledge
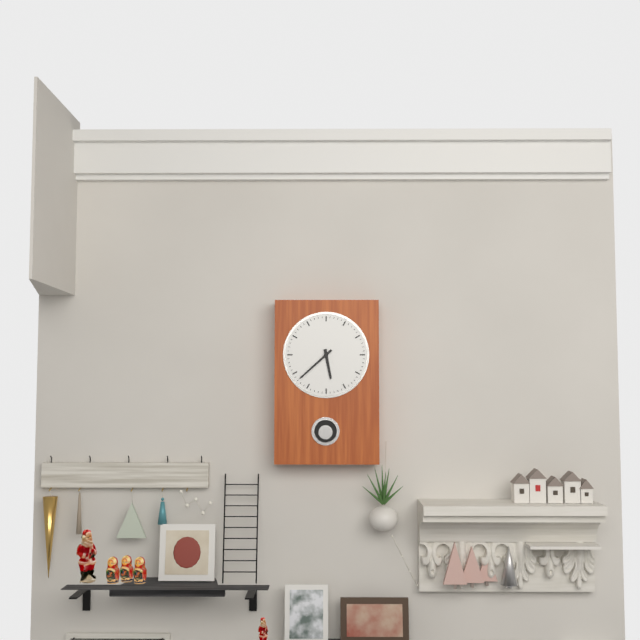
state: 5:38
